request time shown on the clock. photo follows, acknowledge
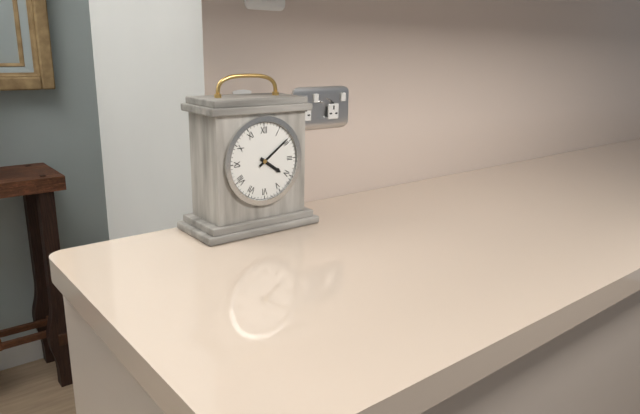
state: 4:09
